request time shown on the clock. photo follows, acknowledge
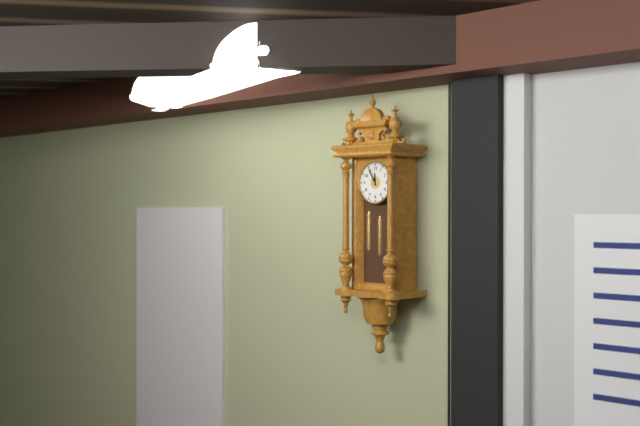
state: 11:55
